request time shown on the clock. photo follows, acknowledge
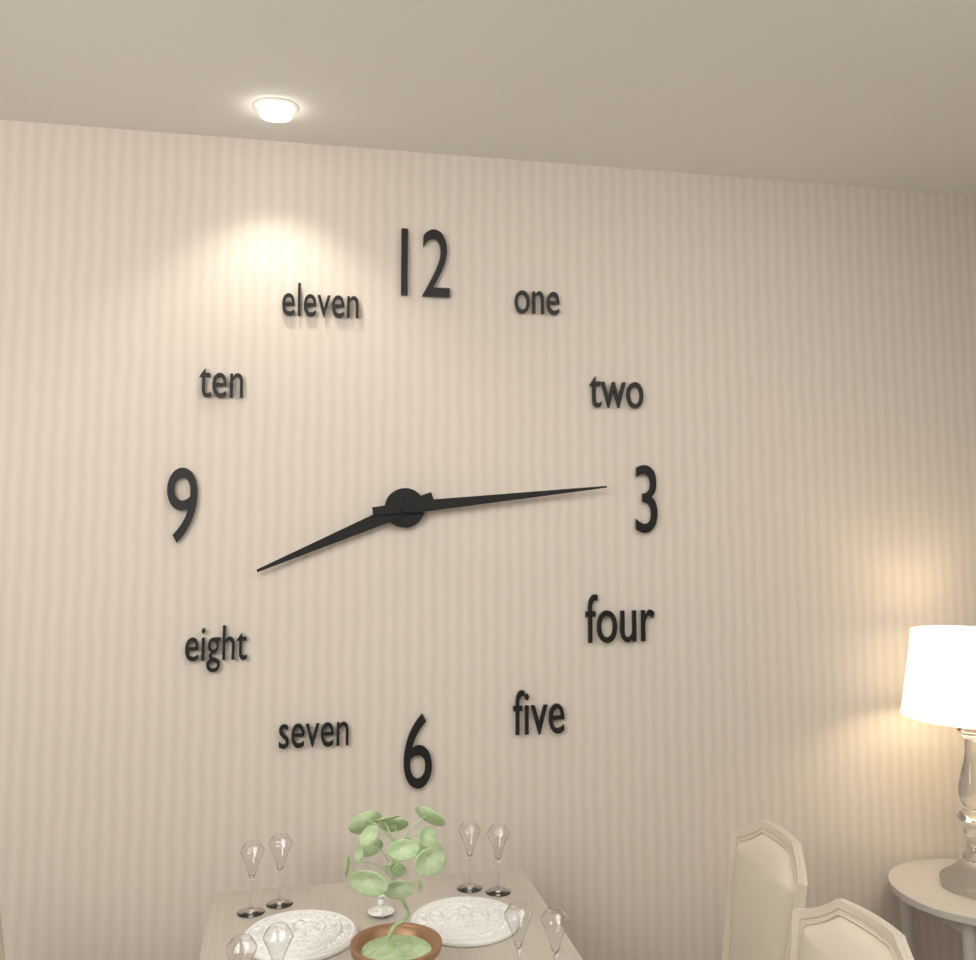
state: 8:14
